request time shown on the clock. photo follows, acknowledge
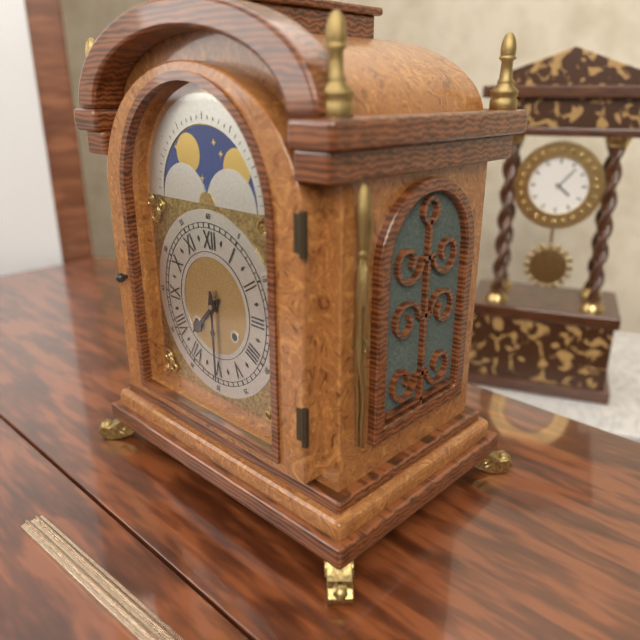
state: 7:30
